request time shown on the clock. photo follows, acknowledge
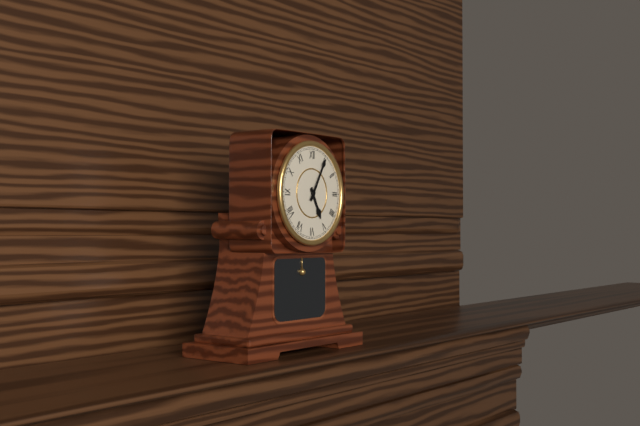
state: 5:05
